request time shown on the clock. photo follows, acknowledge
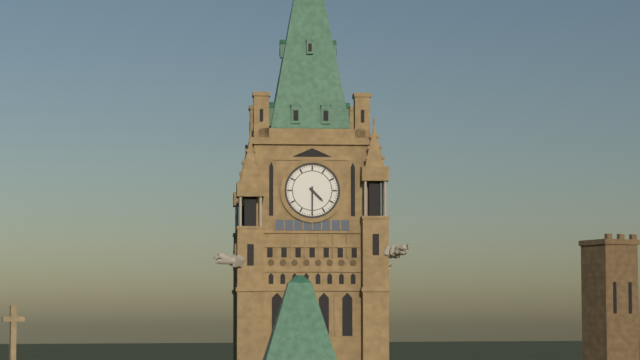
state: 4:30
